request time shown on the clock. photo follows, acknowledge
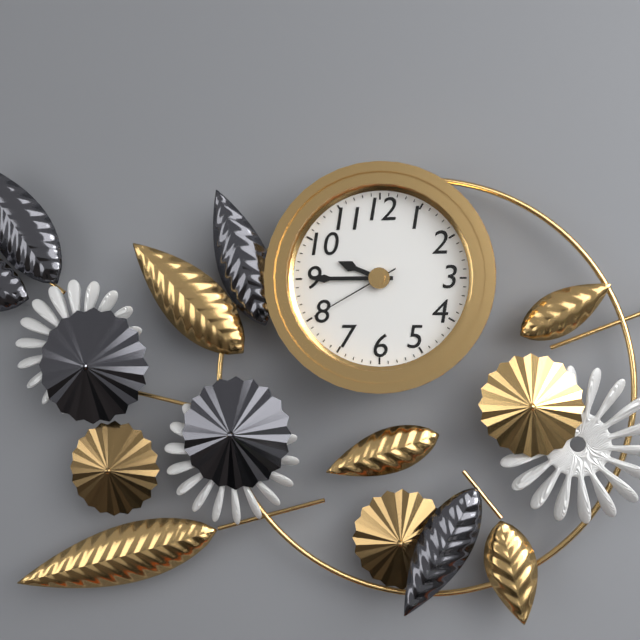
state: 9:45:40
